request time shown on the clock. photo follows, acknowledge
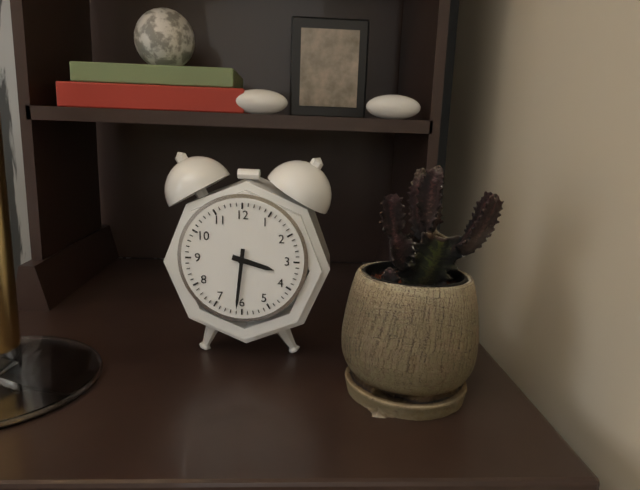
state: 3:31
